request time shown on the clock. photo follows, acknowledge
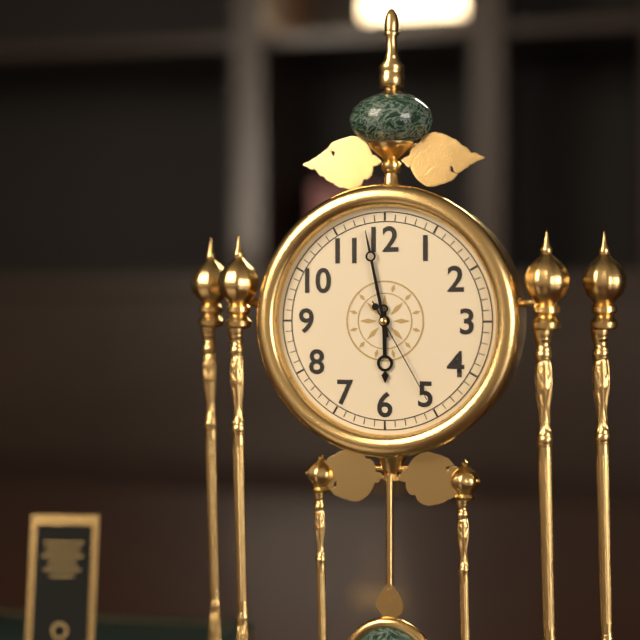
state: 5:58:25
